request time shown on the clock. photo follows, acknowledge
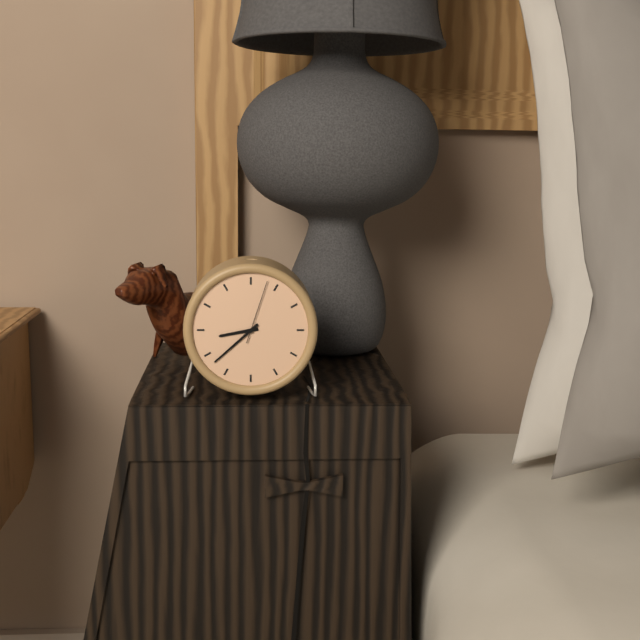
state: 8:38:03
